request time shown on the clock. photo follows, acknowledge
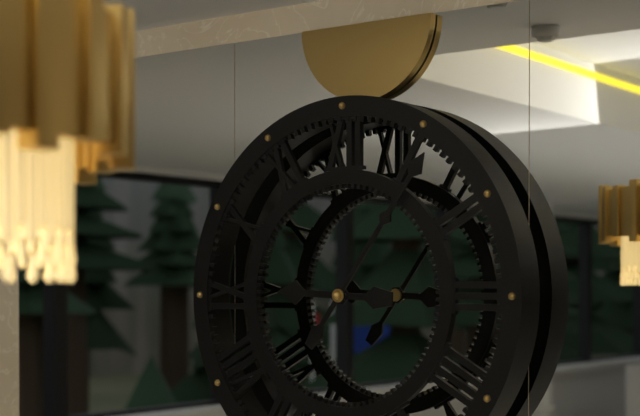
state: 9:06
